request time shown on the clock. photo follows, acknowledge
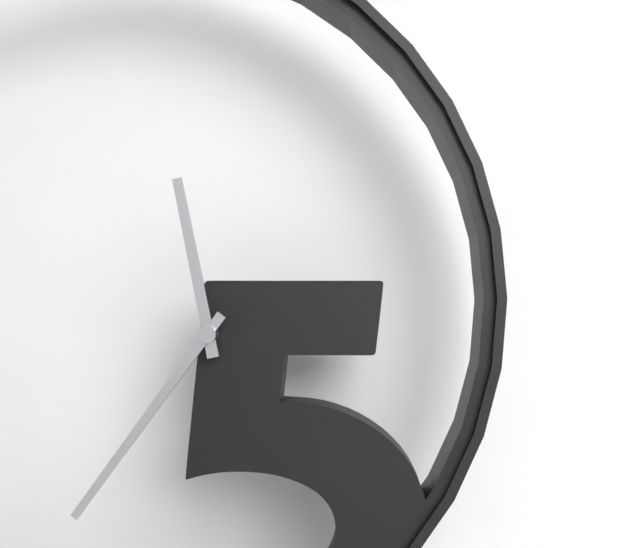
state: 11:36
